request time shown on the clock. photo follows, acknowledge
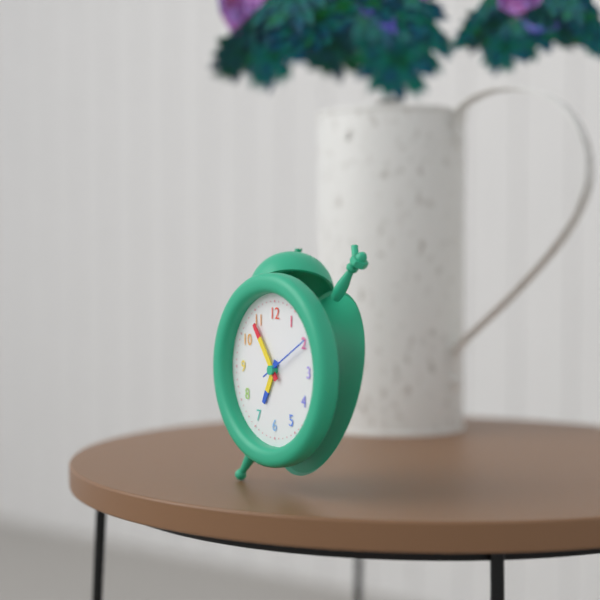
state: 6:54
